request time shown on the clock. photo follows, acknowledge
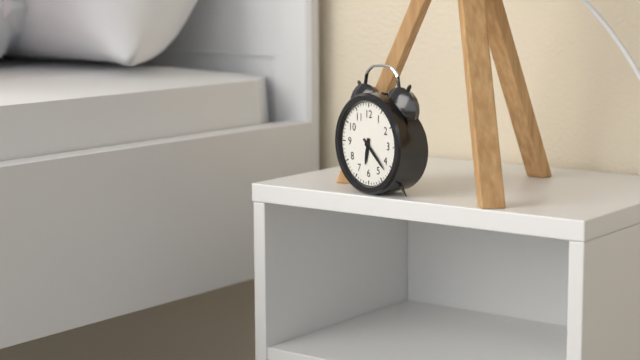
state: 6:22
